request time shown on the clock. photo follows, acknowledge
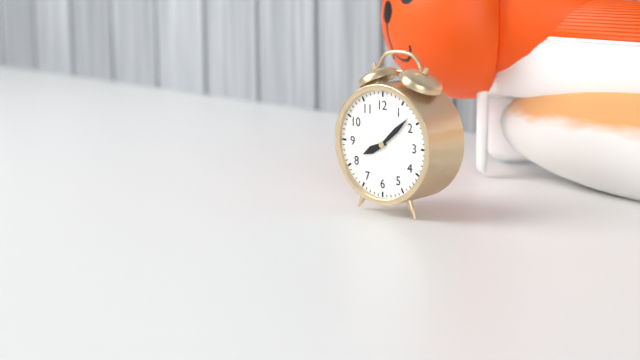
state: 8:08
